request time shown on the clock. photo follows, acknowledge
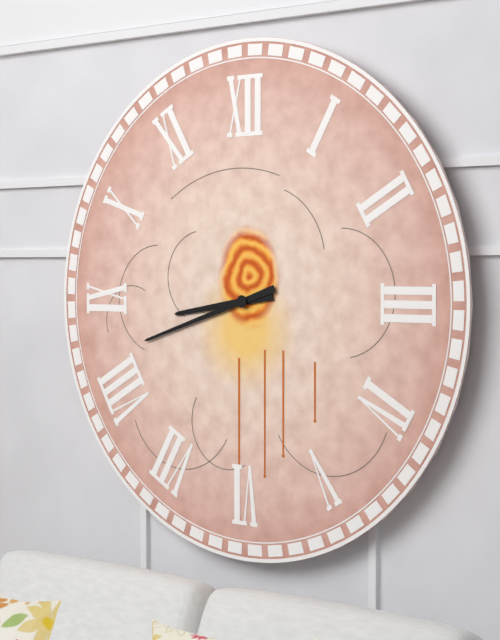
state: 8:42
